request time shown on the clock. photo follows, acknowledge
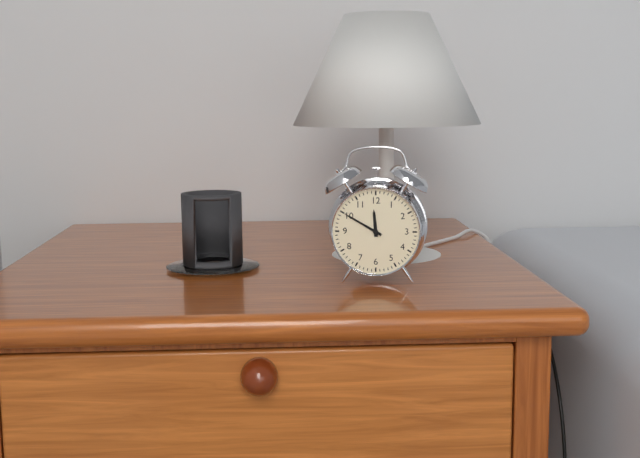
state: 11:50
